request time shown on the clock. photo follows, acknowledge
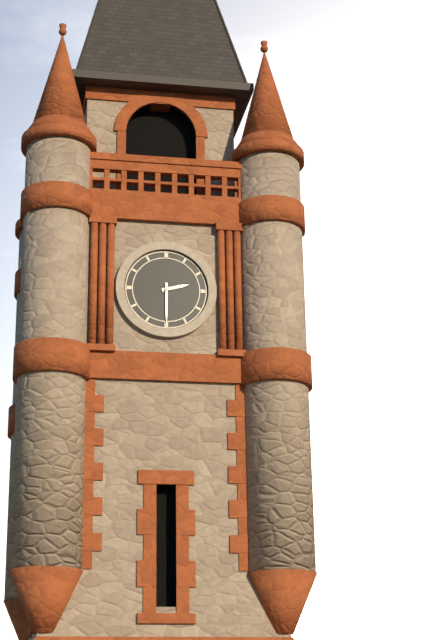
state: 2:30
